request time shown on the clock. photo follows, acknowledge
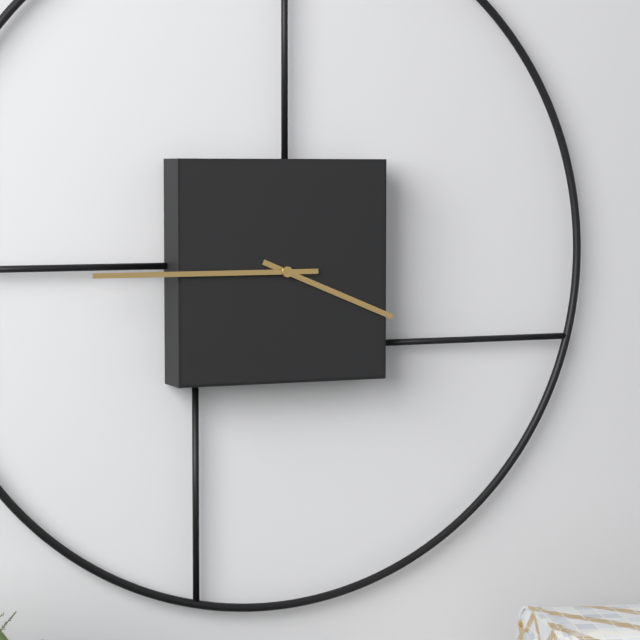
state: 3:45
